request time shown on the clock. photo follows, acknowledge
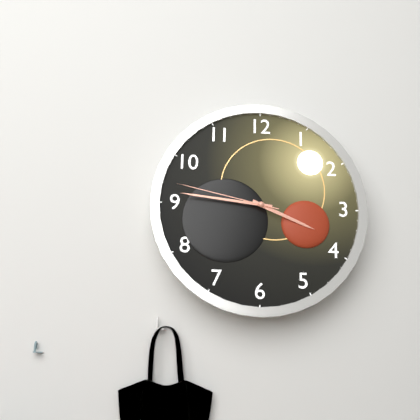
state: 3:46:47
